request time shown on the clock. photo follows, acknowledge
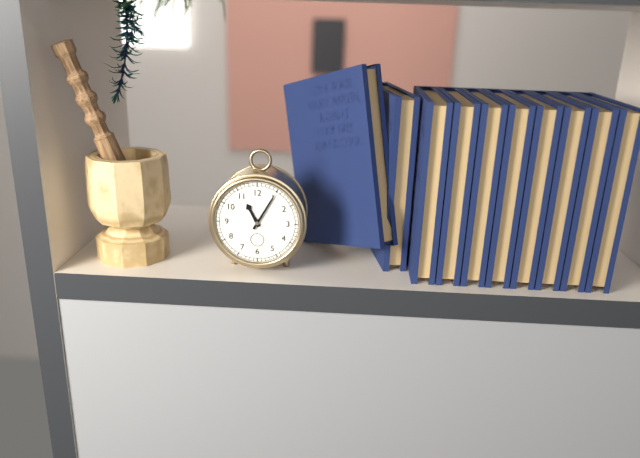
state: 11:05
